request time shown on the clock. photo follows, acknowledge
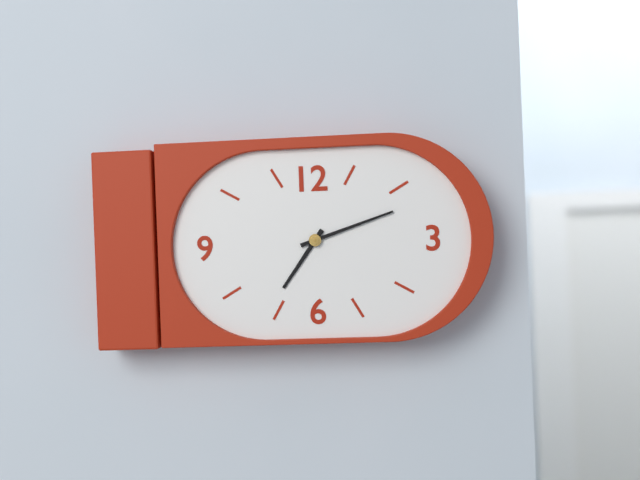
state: 7:12
